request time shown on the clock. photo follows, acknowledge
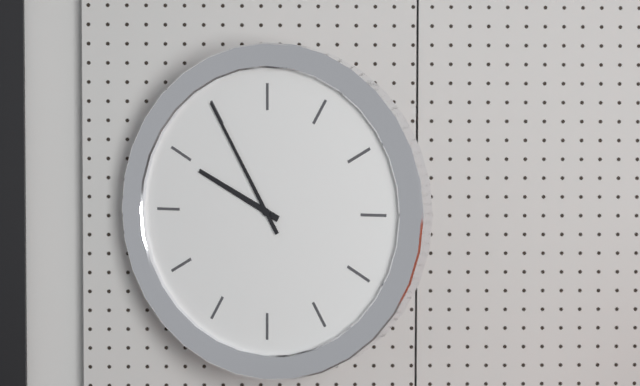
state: 9:55
